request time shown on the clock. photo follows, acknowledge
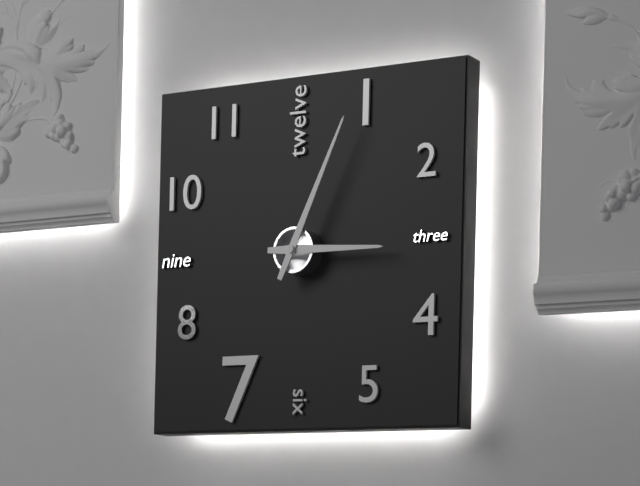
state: 3:04
